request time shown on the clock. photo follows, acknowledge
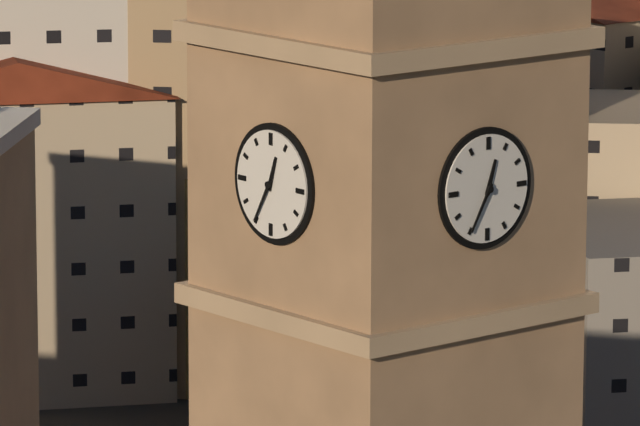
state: 12:35
